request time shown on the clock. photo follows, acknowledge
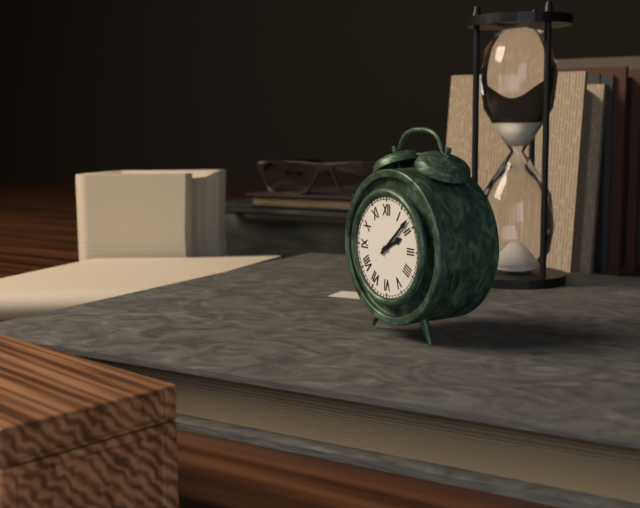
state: 2:08
